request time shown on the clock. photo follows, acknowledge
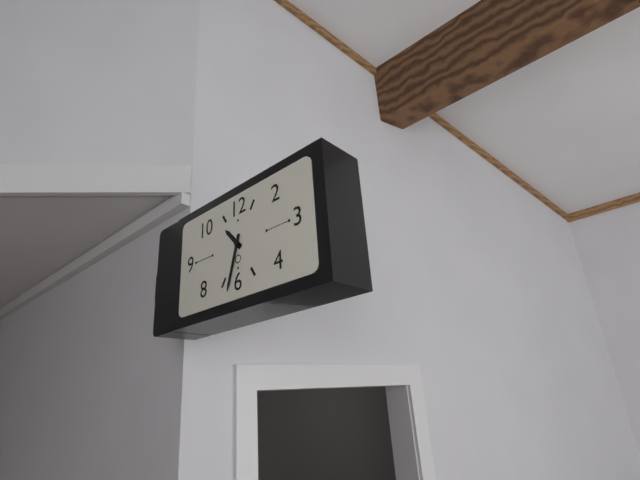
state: 10:33
